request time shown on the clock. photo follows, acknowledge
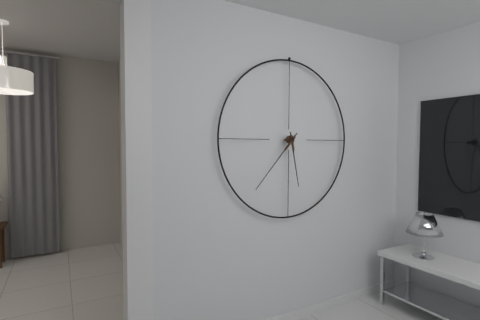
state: 5:37
